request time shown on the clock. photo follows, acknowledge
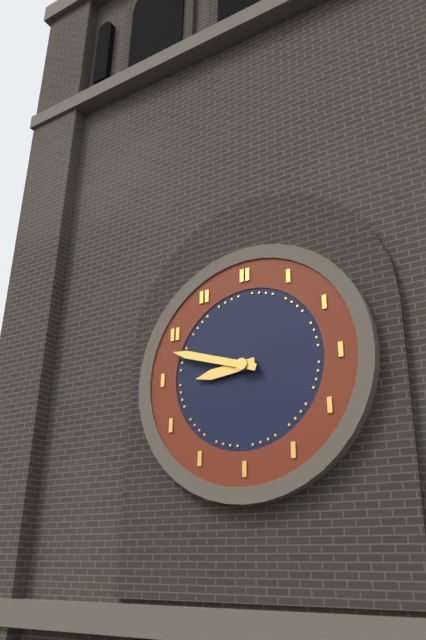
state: 8:48
